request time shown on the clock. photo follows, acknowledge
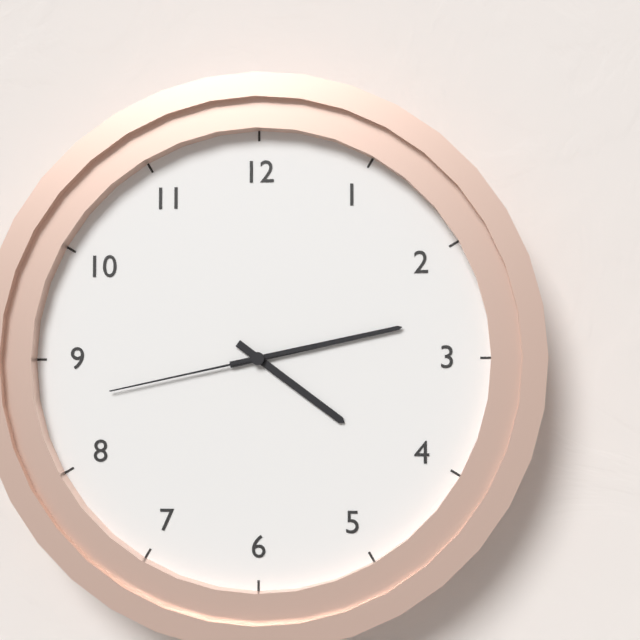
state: 4:13:43
